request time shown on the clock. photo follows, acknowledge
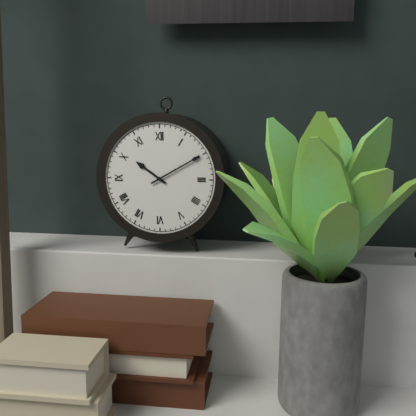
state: 10:10
